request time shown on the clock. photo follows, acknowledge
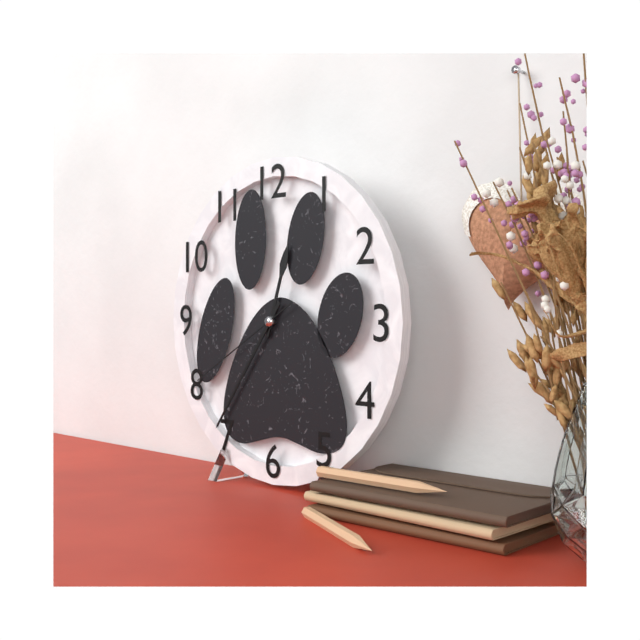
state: 12:36:40
